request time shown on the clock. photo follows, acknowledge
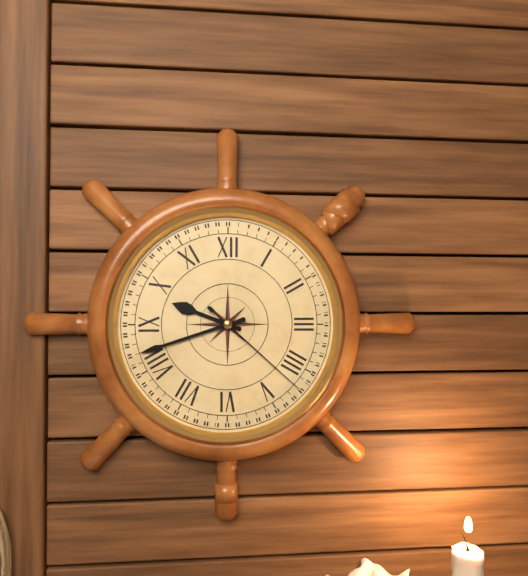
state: 9:42:22
